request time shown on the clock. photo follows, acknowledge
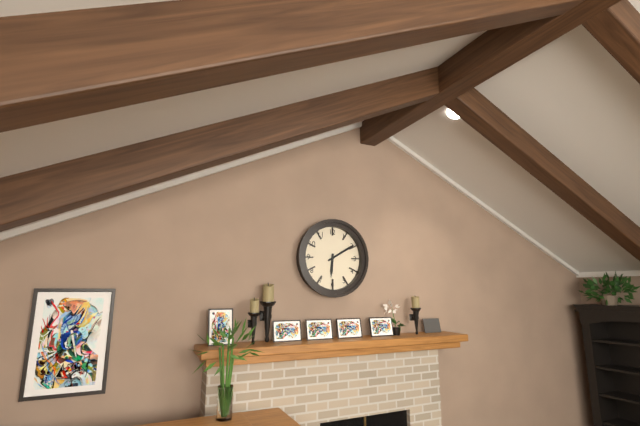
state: 6:10
